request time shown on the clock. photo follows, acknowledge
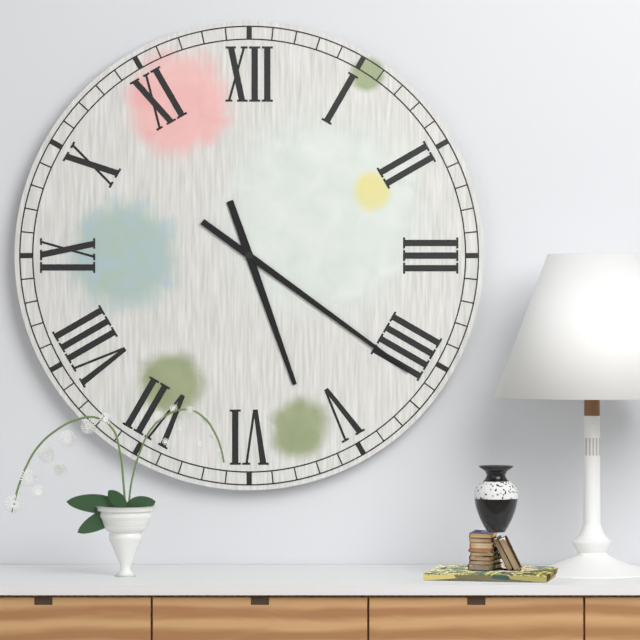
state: 5:21
